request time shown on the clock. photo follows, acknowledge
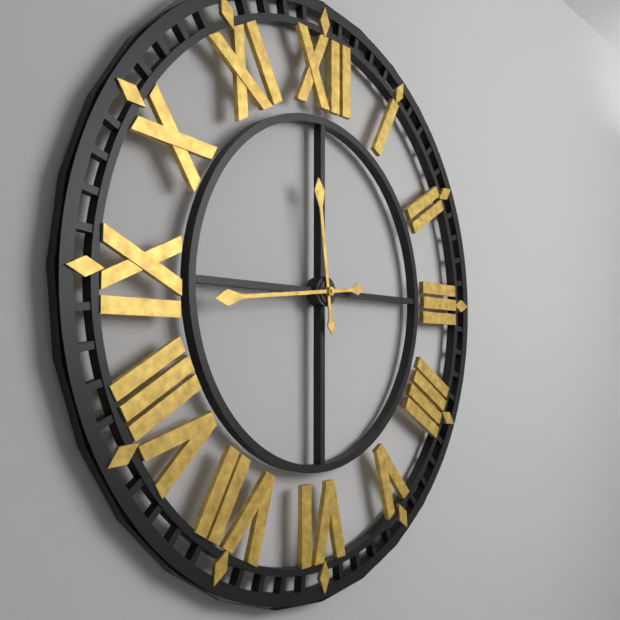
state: 11:44
